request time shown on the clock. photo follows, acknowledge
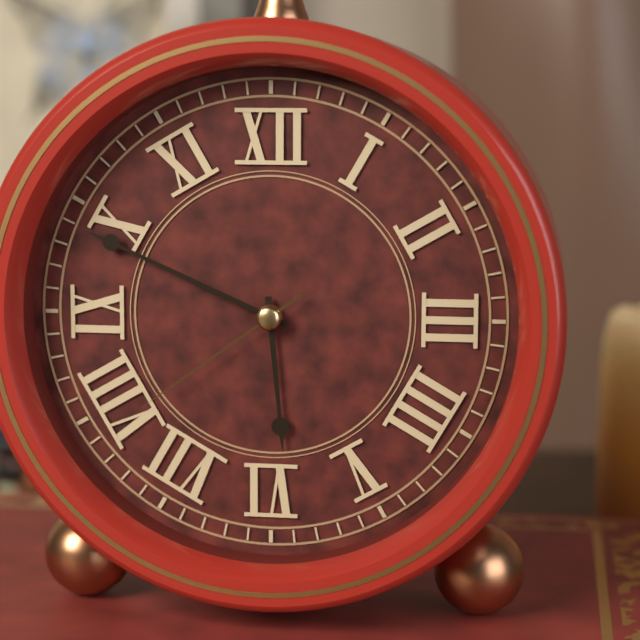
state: 5:49:39
